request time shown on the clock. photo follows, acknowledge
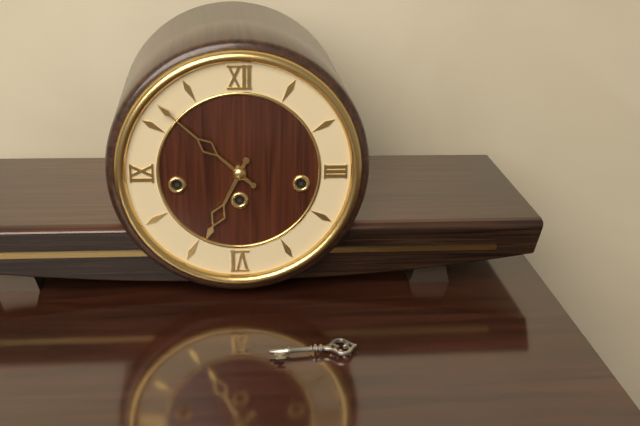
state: 6:52
